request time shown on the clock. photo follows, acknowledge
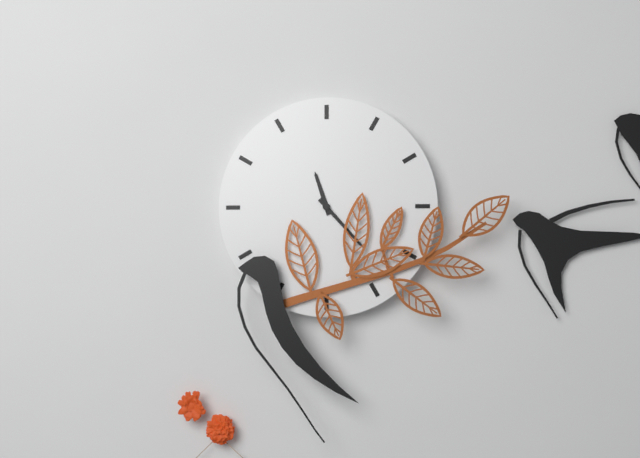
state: 11:23
